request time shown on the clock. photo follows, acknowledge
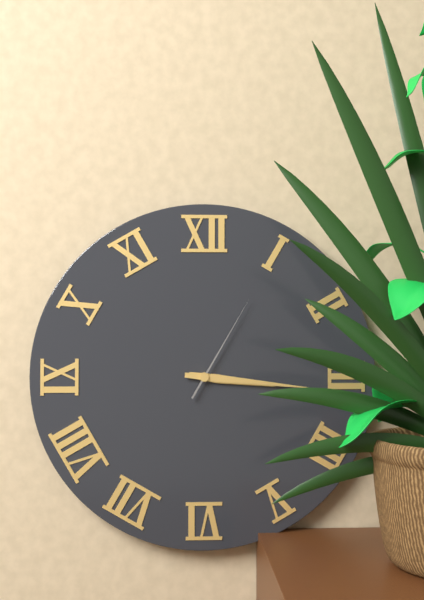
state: 3:16:05
